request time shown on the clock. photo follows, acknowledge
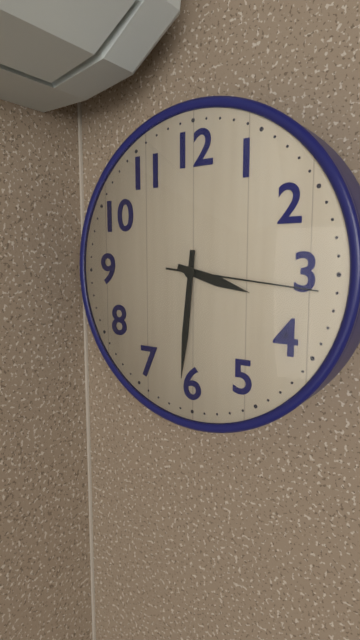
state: 3:31:16
